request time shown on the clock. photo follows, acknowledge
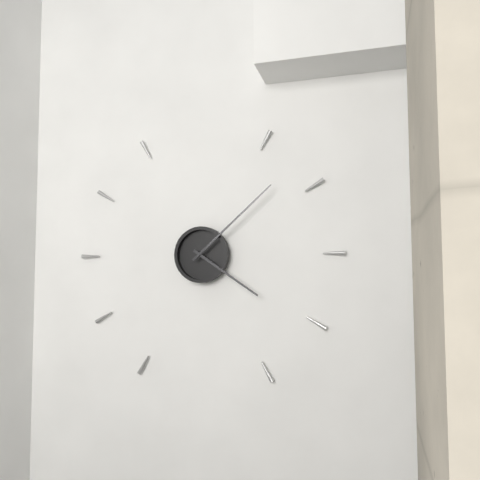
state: 4:08
